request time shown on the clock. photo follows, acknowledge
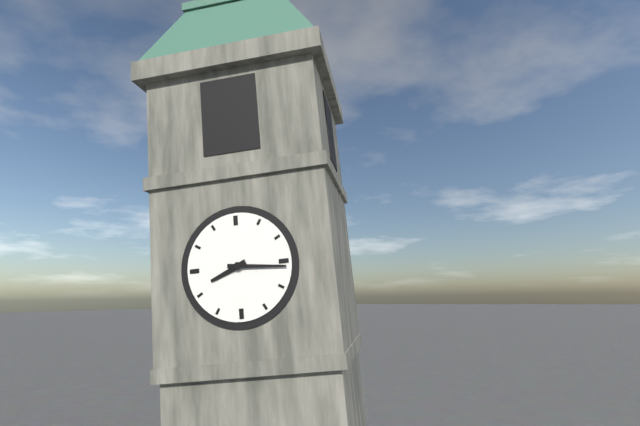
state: 8:16
